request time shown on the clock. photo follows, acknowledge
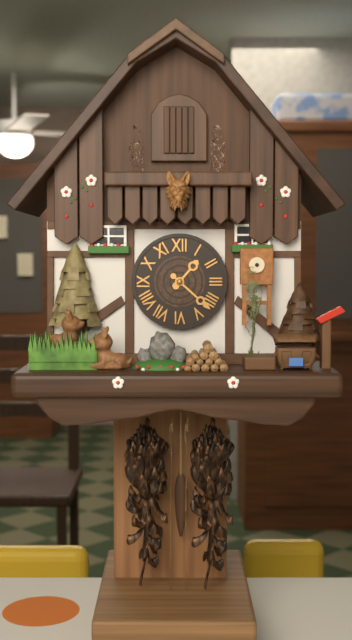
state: 1:22
